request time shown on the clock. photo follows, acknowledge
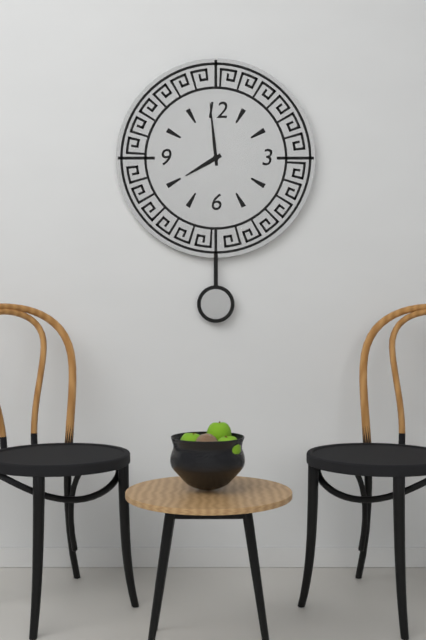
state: 7:59
